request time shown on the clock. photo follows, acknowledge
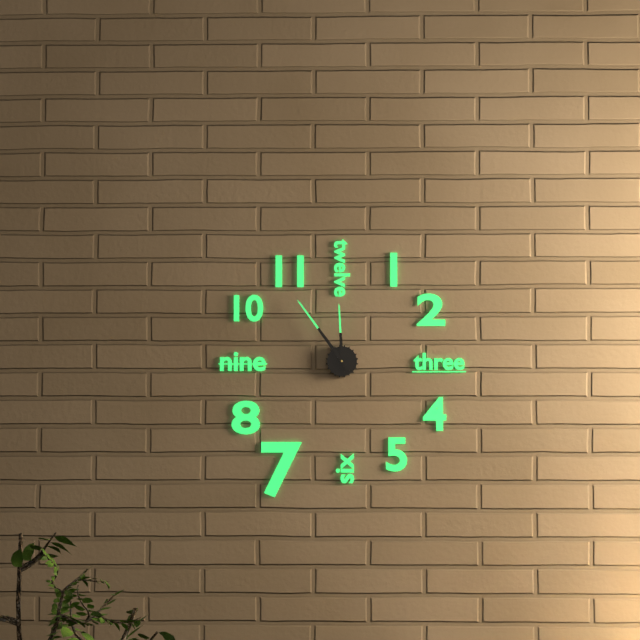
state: 11:54
